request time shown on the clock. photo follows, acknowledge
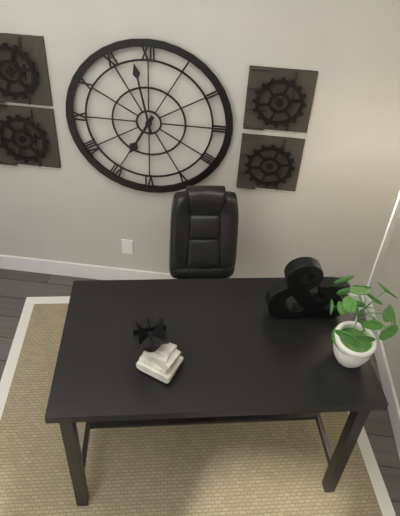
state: 6:58
